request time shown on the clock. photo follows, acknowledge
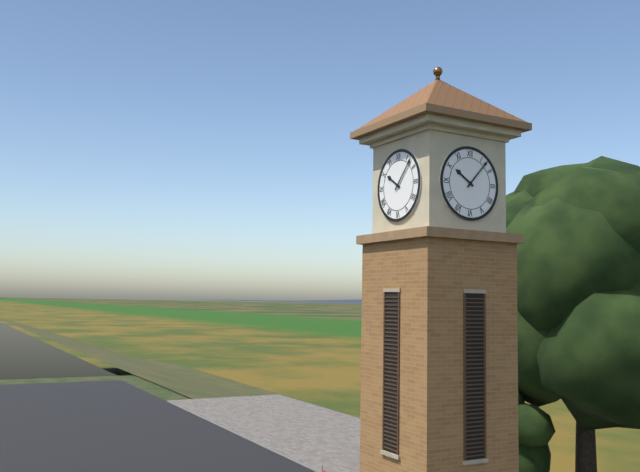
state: 10:07
